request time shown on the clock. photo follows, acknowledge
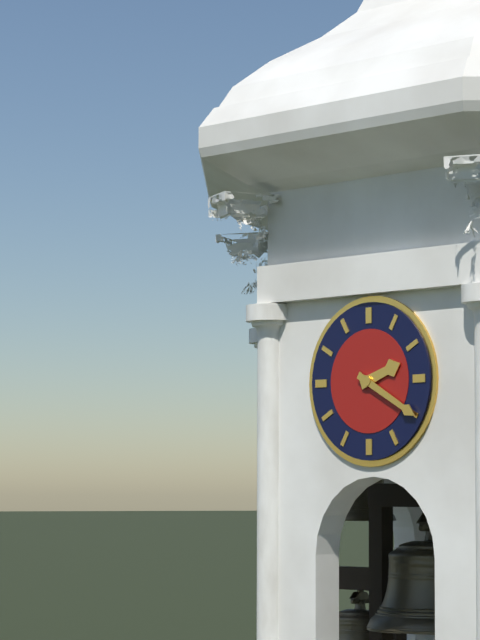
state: 2:20
